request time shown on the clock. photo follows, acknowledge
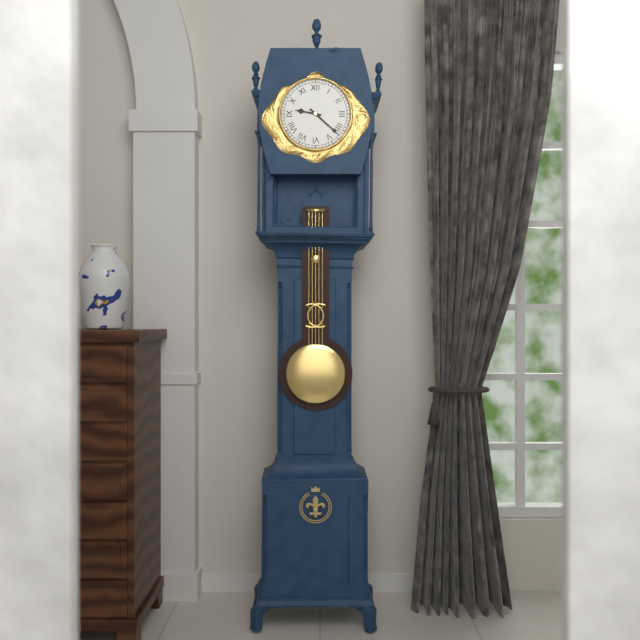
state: 9:22
